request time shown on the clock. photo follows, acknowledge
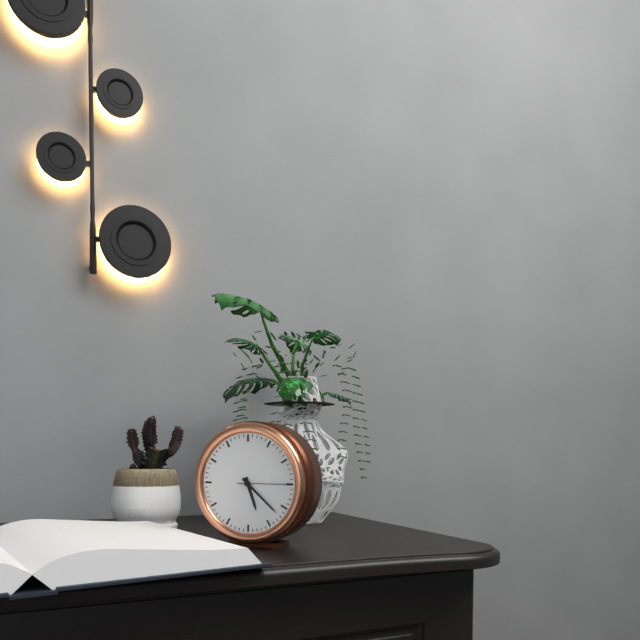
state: 5:22
